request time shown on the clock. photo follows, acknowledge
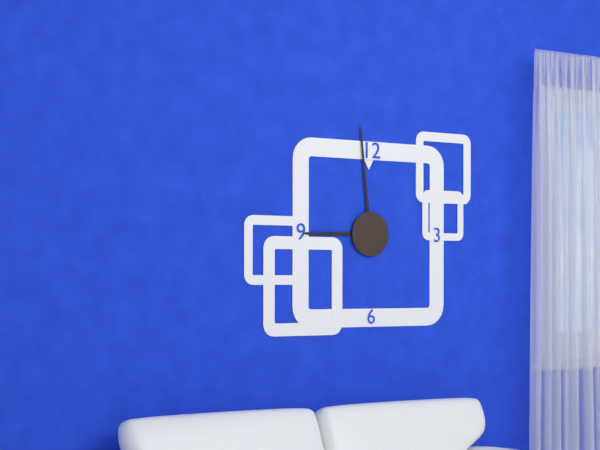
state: 8:59
